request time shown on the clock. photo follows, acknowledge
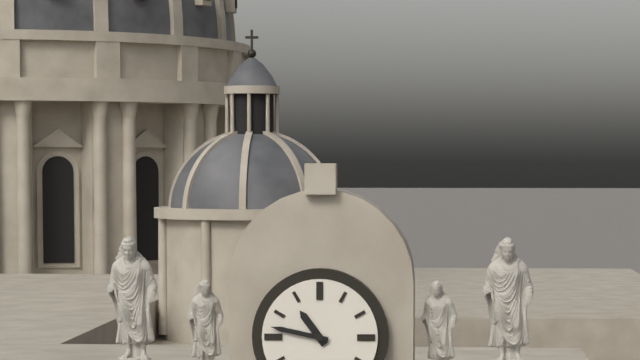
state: 10:47
